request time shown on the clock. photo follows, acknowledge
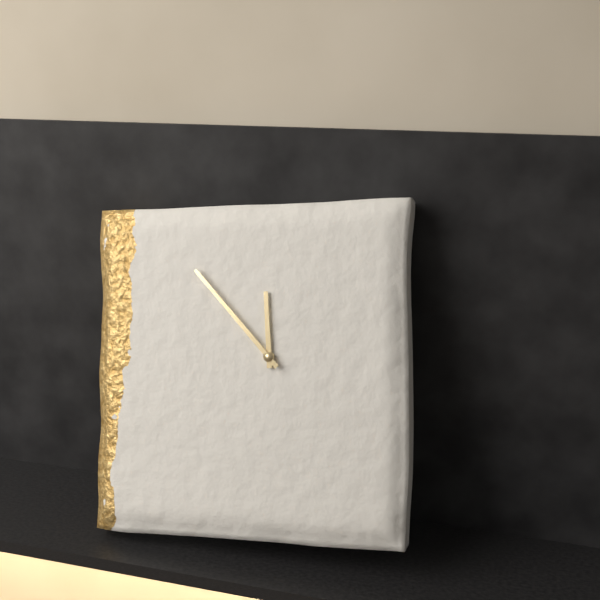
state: 11:53
